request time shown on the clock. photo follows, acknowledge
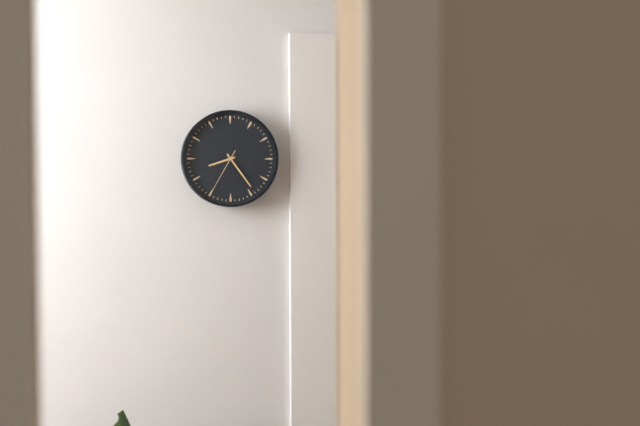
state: 8:24
